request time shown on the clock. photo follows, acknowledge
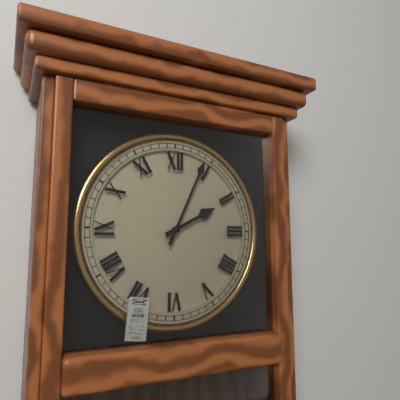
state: 2:04
